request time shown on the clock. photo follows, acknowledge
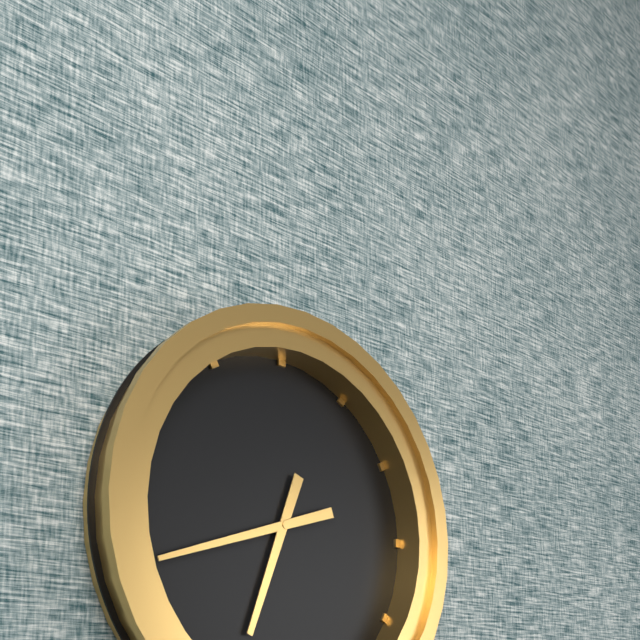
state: 6:42
